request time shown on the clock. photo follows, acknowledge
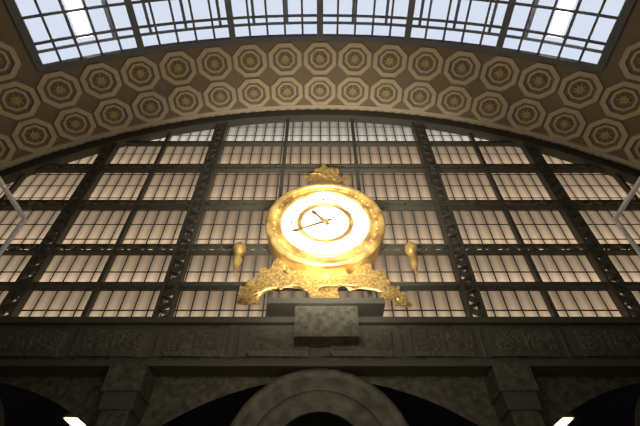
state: 10:41
